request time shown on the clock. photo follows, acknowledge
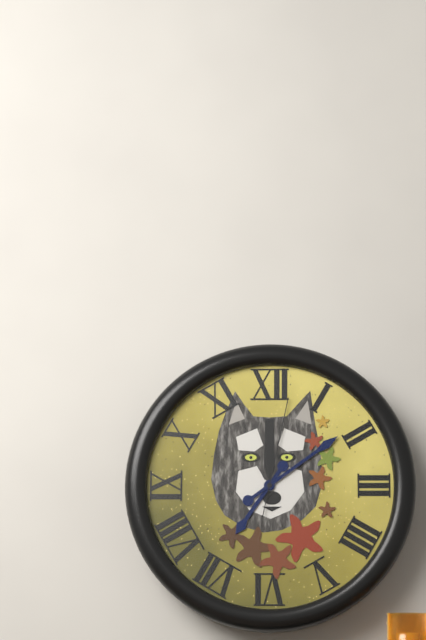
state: 7:09:02
